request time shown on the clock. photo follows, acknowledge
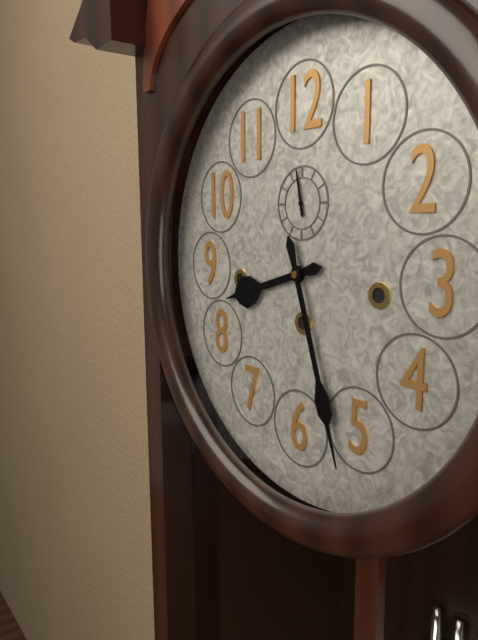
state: 8:27
